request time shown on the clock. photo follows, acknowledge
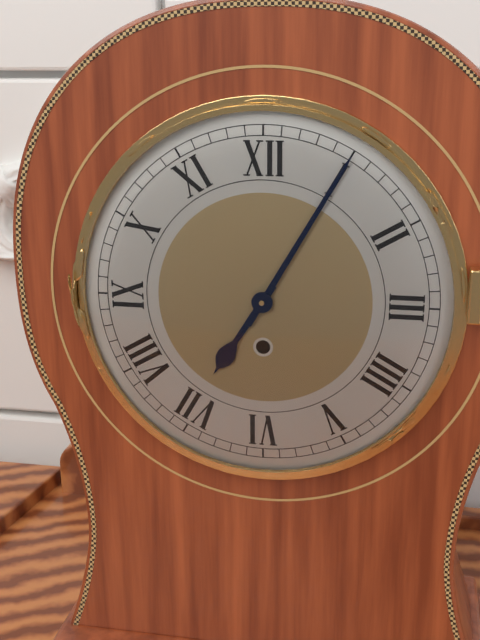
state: 7:05
